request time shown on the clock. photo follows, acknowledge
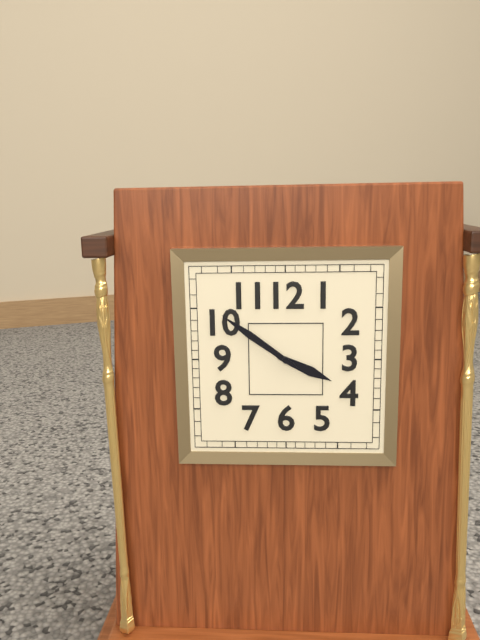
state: 3:51
